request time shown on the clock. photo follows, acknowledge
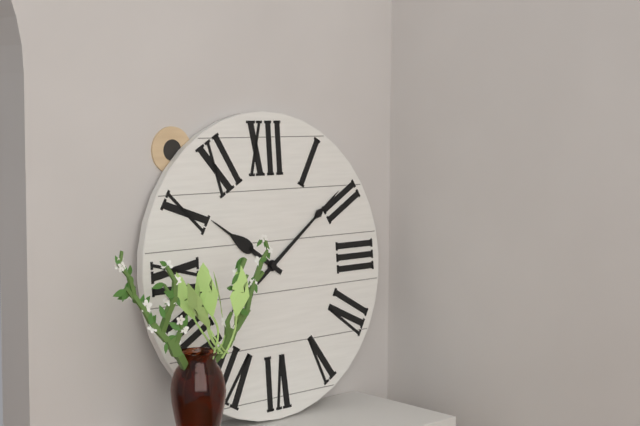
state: 10:09
